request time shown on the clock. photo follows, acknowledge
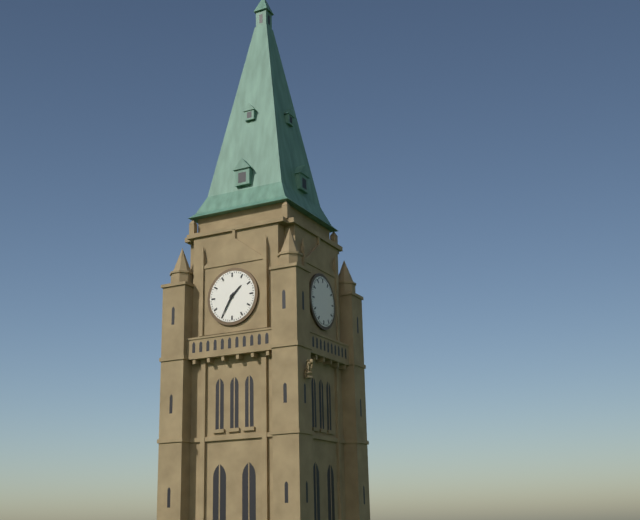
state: 1:35
